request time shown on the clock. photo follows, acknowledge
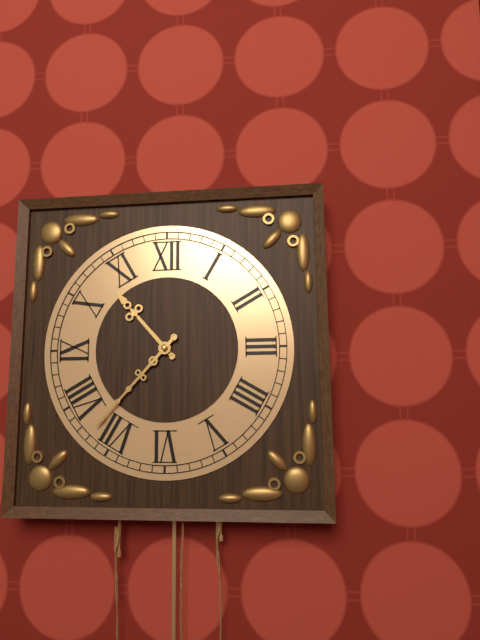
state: 10:37
